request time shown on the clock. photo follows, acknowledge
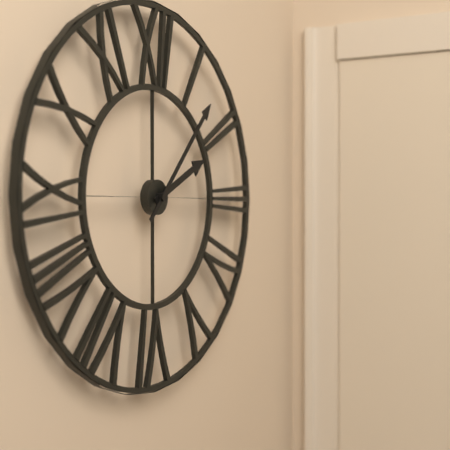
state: 2:07
